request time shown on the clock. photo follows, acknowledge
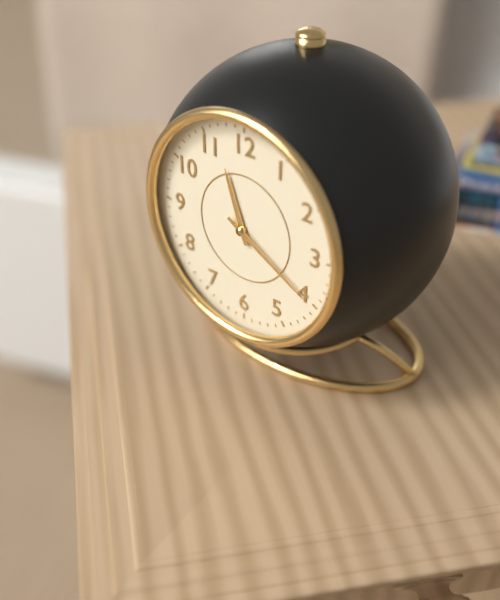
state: 11:20
